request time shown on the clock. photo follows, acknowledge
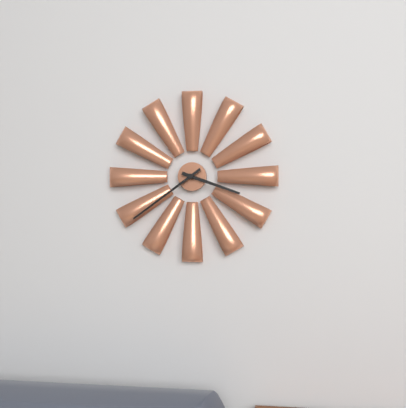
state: 3:39
